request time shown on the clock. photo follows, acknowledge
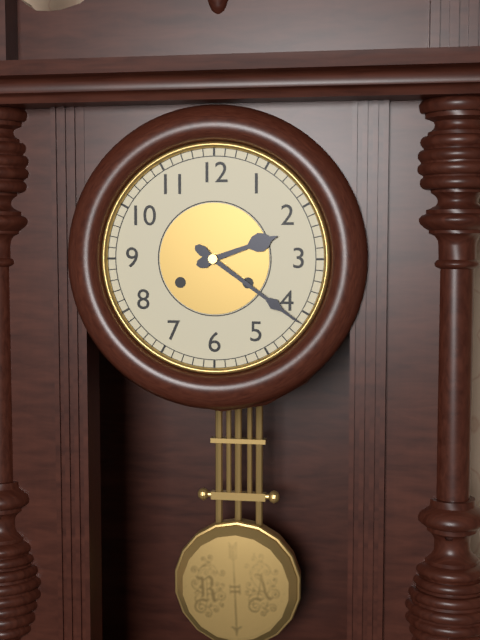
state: 2:21
